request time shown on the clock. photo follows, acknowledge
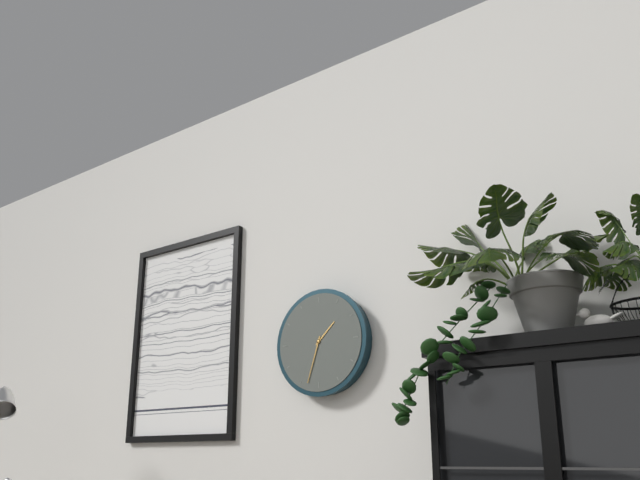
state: 1:33
